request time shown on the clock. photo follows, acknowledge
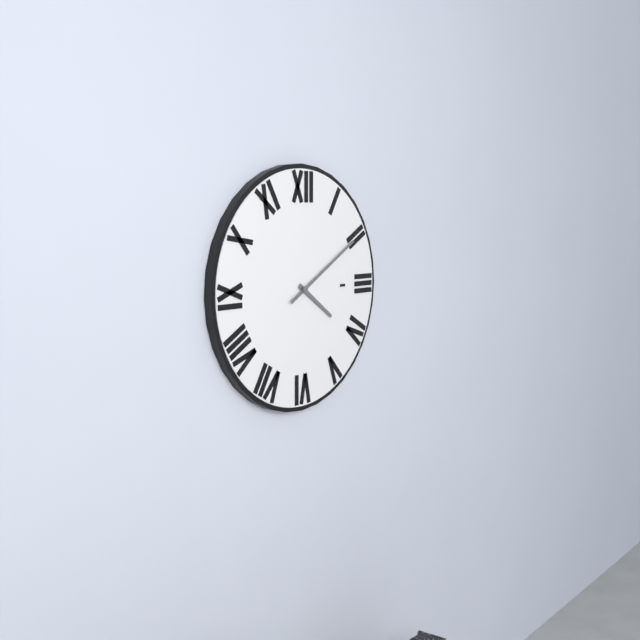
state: 4:10
